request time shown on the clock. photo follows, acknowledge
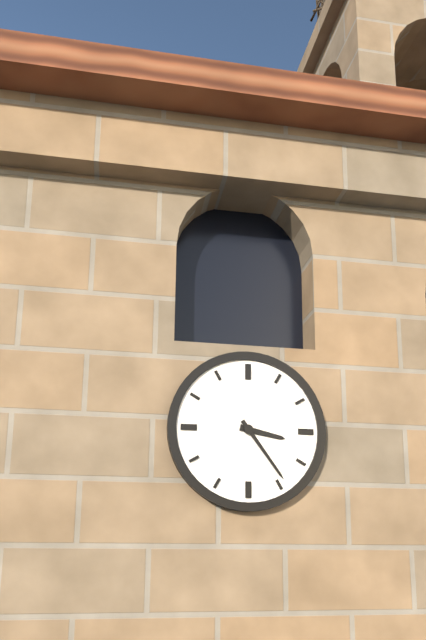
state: 3:24
